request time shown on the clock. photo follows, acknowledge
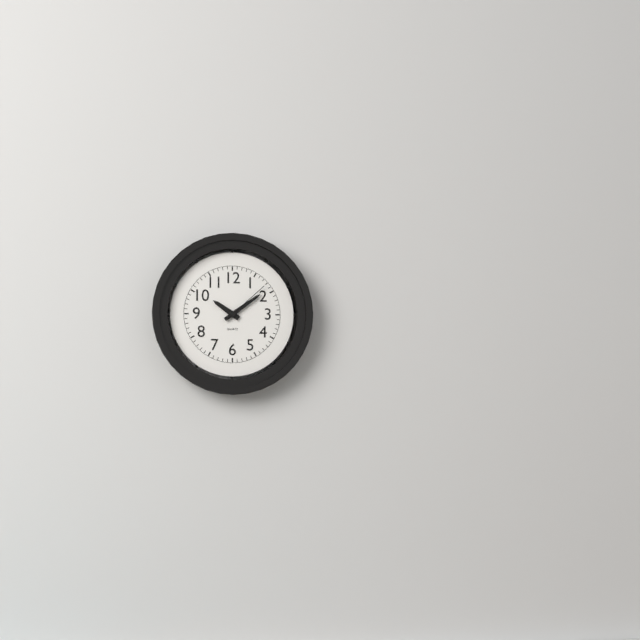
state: 10:09:08
